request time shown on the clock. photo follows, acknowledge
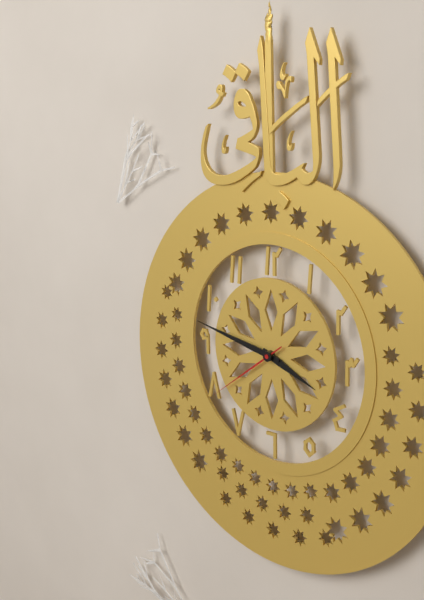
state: 3:47:39
